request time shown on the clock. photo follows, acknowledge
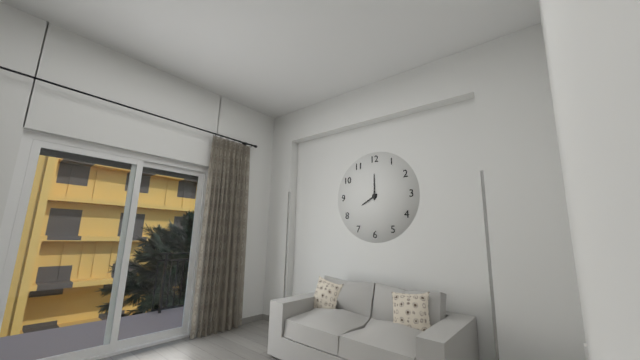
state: 8:00
